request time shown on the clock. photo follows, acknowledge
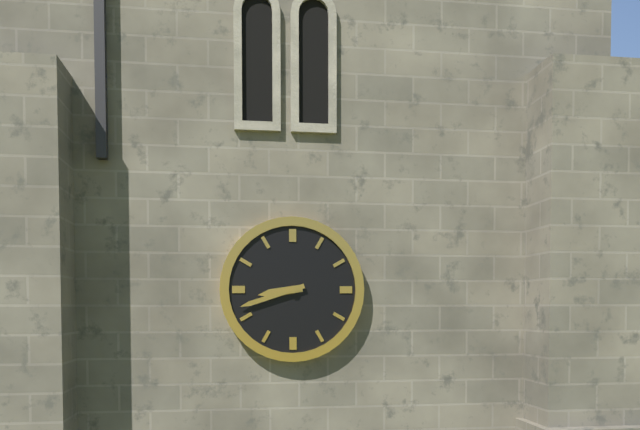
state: 8:42
